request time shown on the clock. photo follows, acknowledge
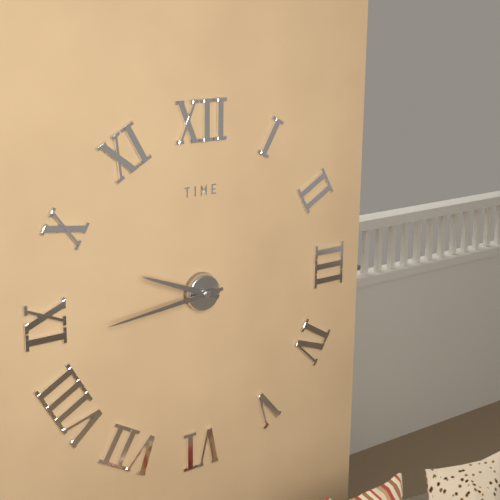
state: 9:44
